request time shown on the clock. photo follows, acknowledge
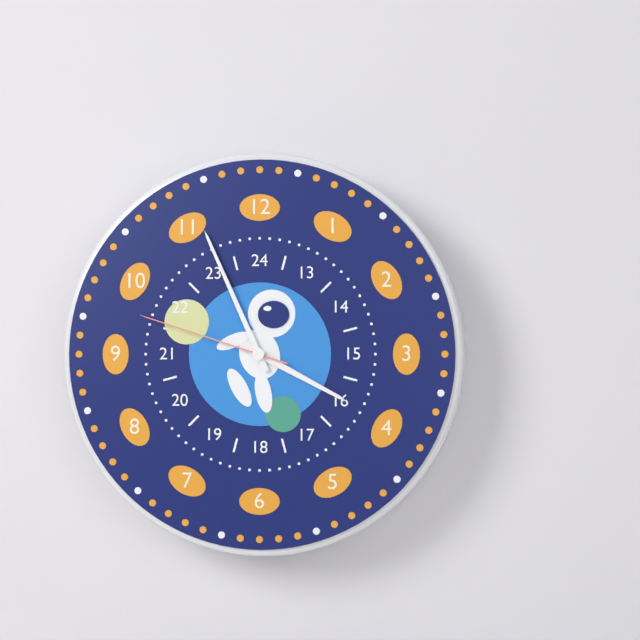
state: 3:56:48
